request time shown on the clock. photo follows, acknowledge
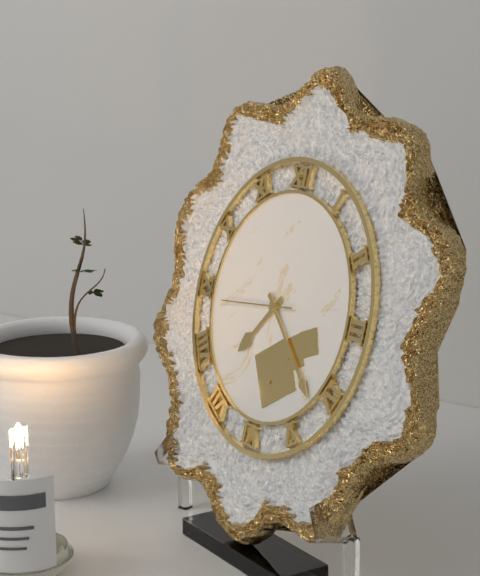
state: 7:22:44
